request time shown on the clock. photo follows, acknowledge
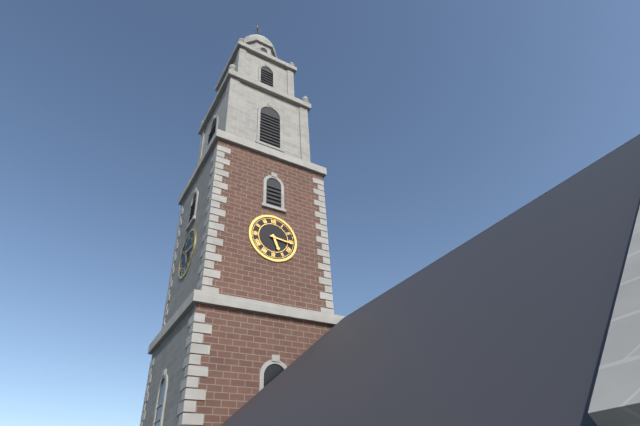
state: 5:16
